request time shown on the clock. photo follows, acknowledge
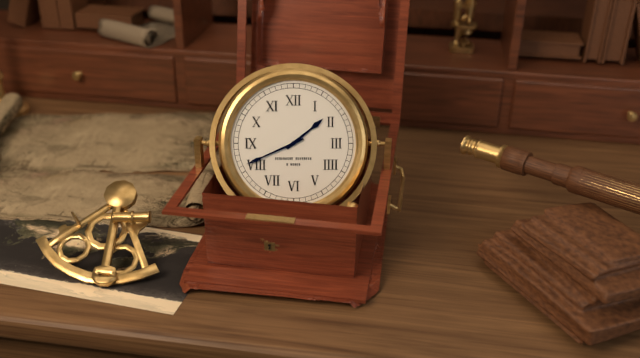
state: 1:41
